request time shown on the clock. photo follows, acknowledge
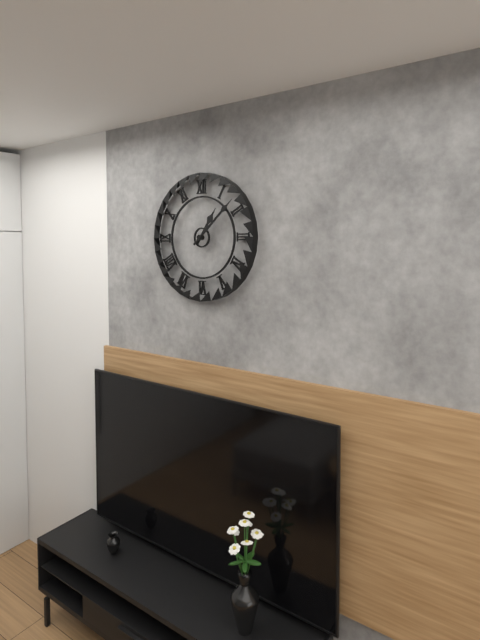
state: 1:08
